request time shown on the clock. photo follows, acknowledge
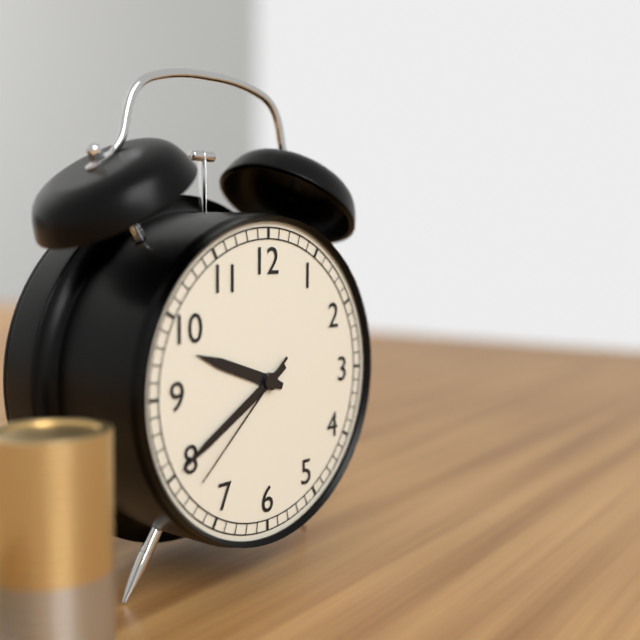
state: 9:40:38
